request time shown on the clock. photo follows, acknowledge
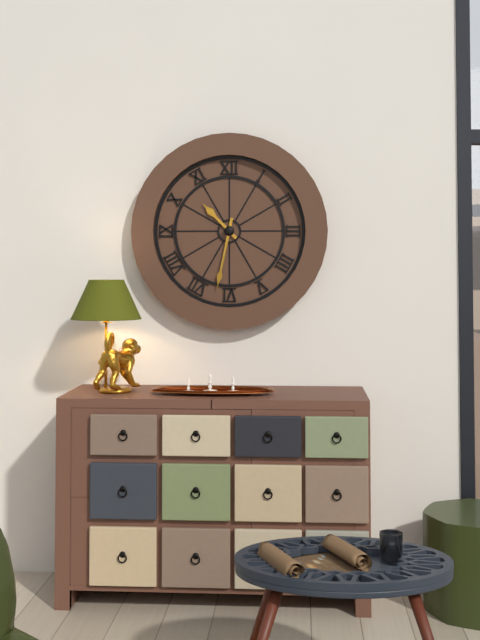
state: 10:32
